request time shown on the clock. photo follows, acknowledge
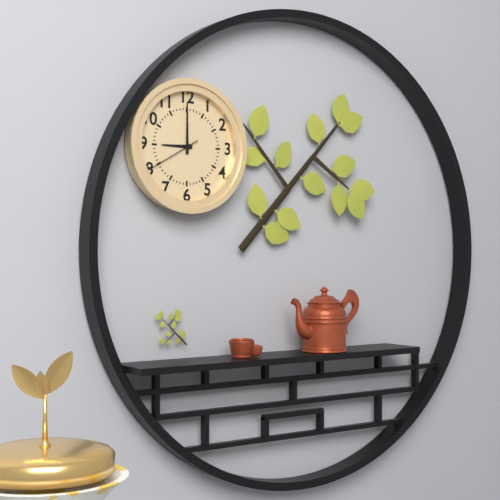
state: 9:00:40
